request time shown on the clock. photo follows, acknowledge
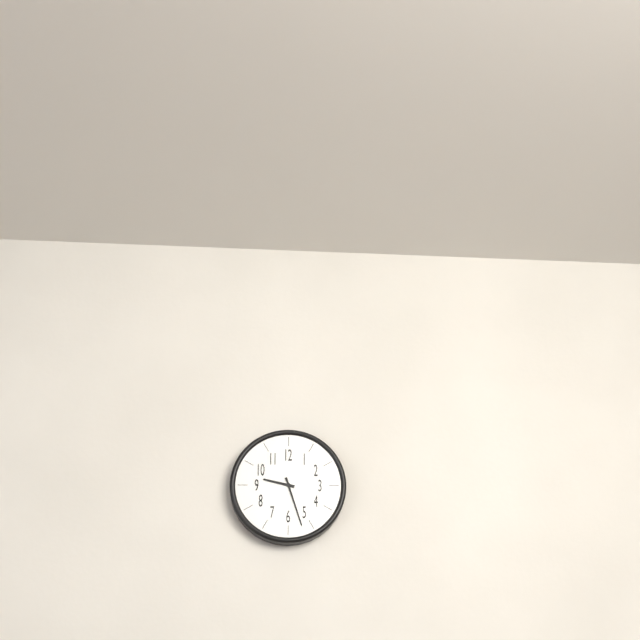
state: 9:27
